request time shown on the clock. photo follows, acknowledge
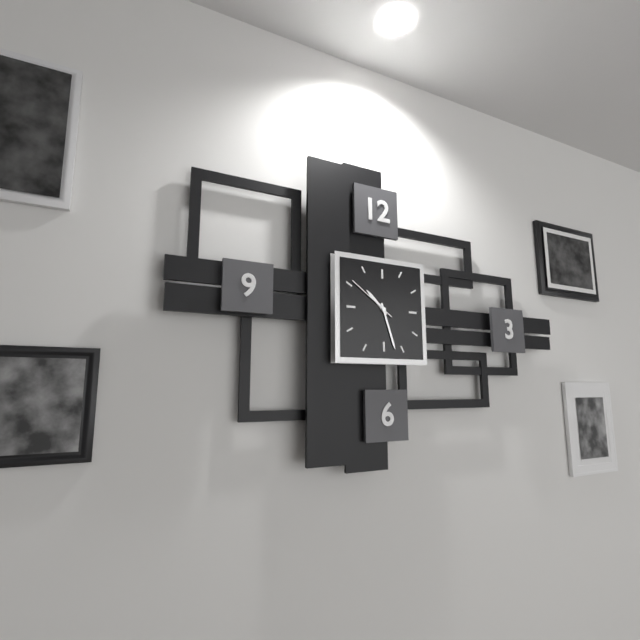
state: 10:27:51
